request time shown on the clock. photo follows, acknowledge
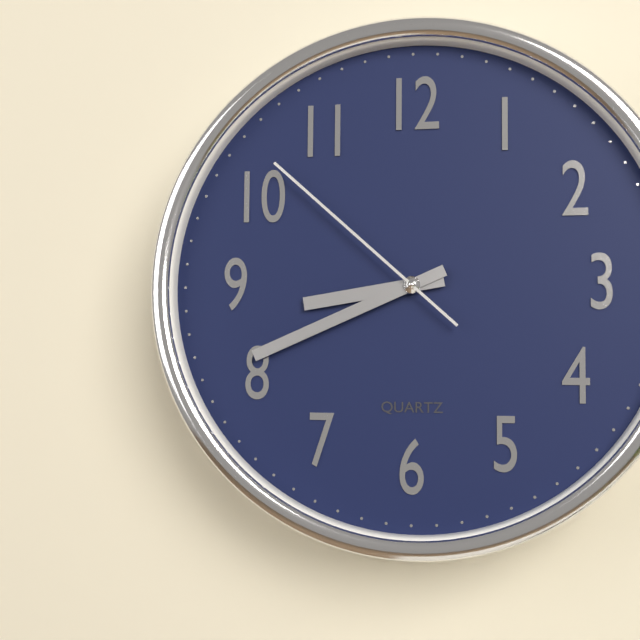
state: 8:41:52
